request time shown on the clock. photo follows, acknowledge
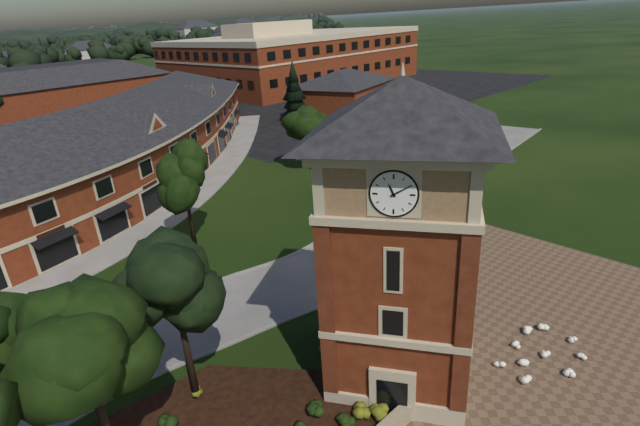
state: 11:10
